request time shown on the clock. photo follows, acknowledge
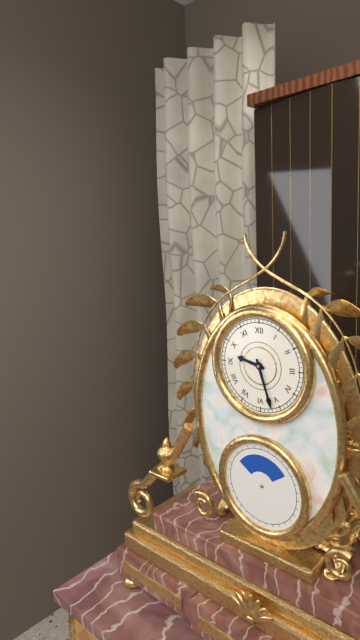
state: 9:27
